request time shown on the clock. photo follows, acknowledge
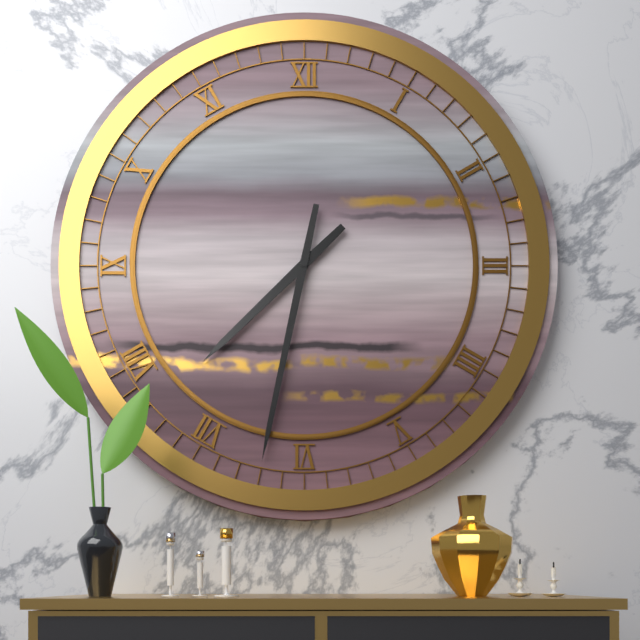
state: 7:32
